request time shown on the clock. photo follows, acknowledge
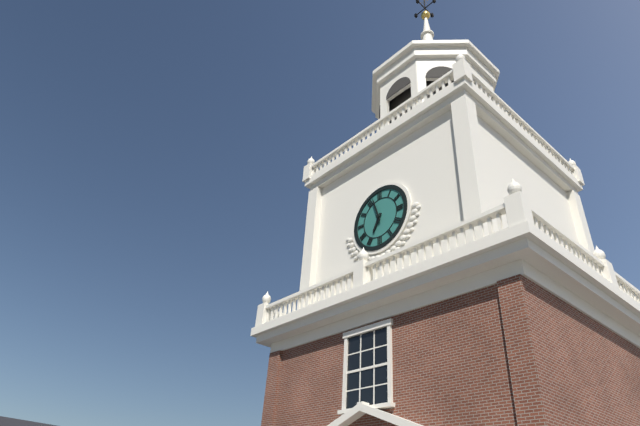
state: 6:57
